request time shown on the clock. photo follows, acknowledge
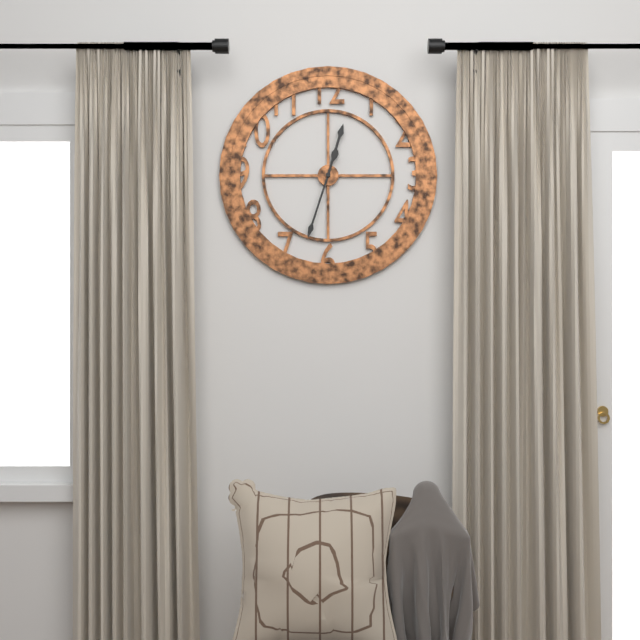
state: 12:33
